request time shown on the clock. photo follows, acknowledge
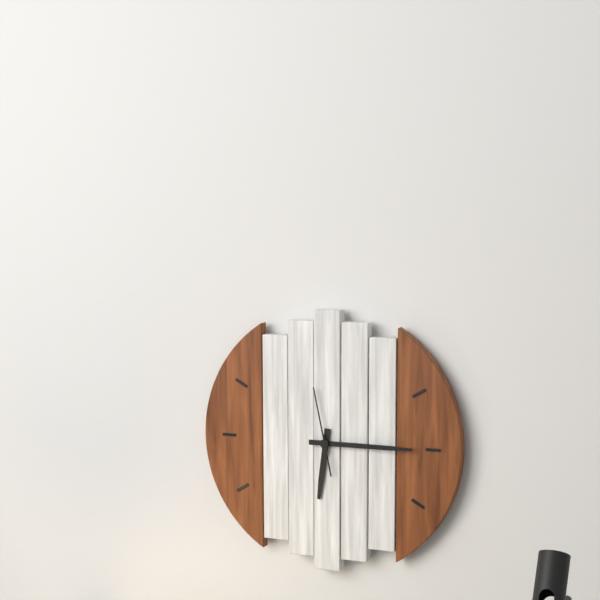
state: 6:15:58
